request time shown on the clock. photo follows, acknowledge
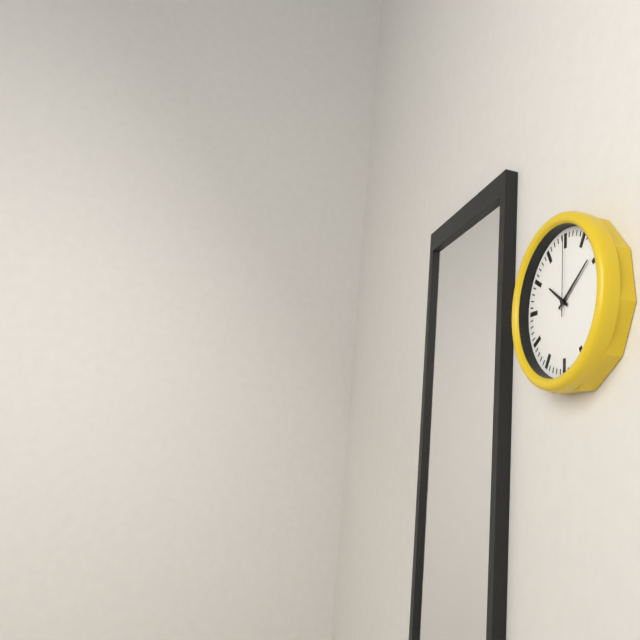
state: 10:09:00
